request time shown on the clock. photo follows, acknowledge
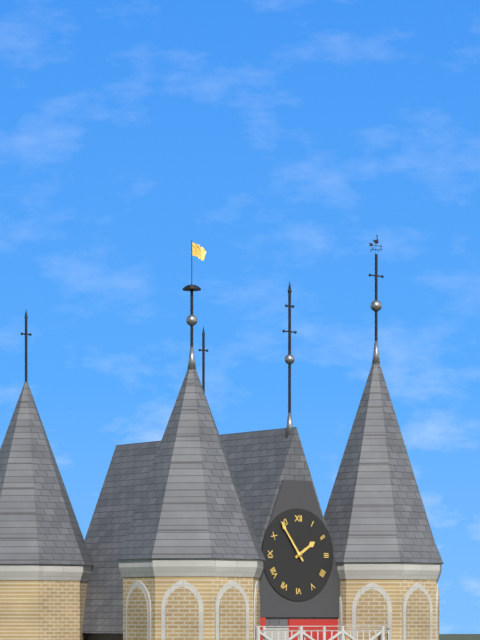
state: 1:54
